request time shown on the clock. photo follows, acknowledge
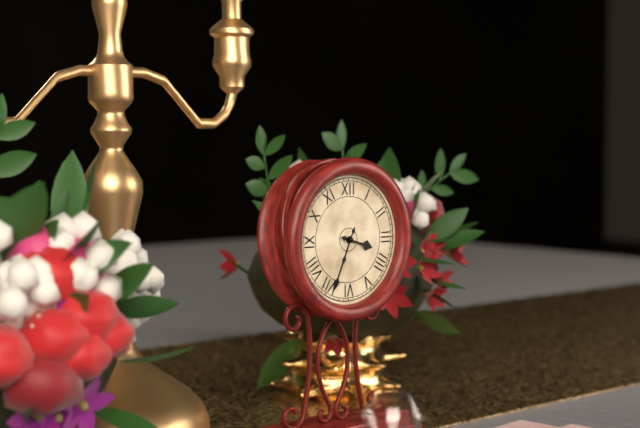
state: 3:34
